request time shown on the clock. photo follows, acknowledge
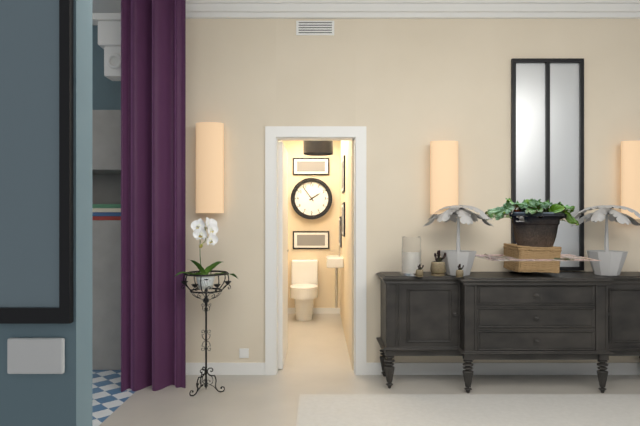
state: 1:54
